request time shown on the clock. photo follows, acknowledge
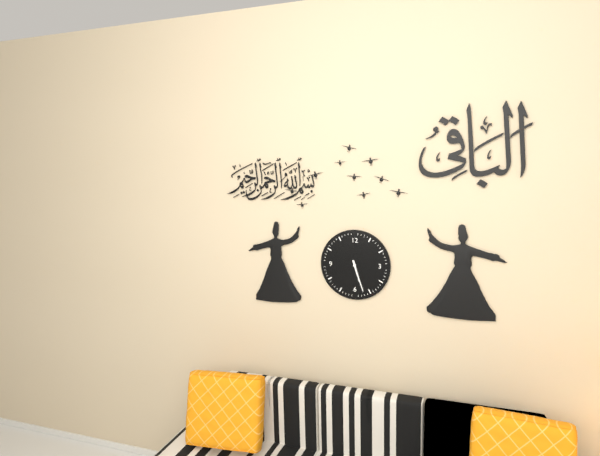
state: 5:27
